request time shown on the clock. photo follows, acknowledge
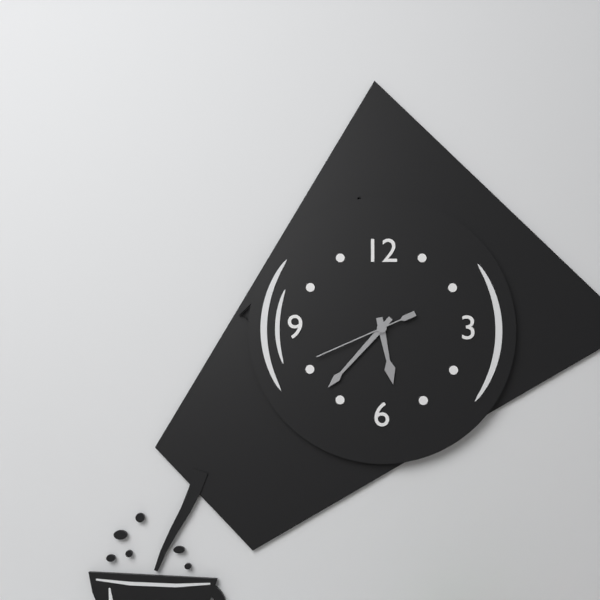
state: 5:37:41
